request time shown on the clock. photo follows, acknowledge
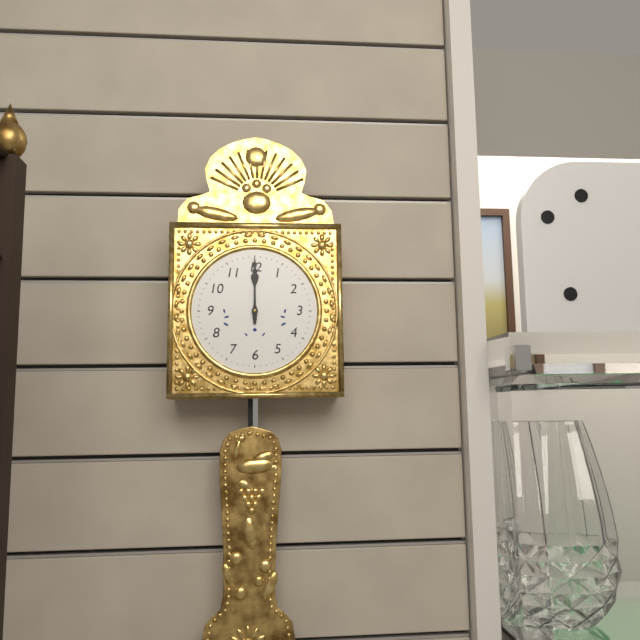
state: 12:00
